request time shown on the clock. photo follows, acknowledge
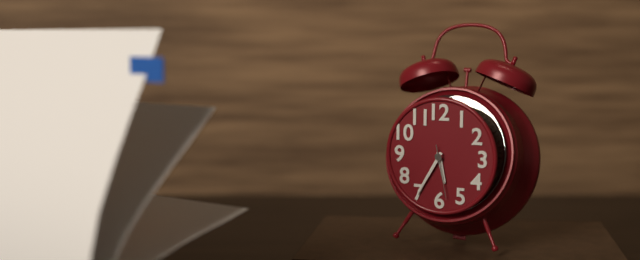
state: 5:35:28
